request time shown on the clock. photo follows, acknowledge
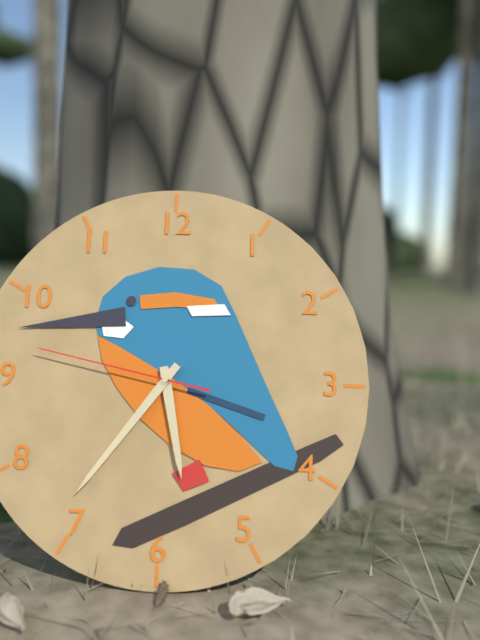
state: 5:36:47
